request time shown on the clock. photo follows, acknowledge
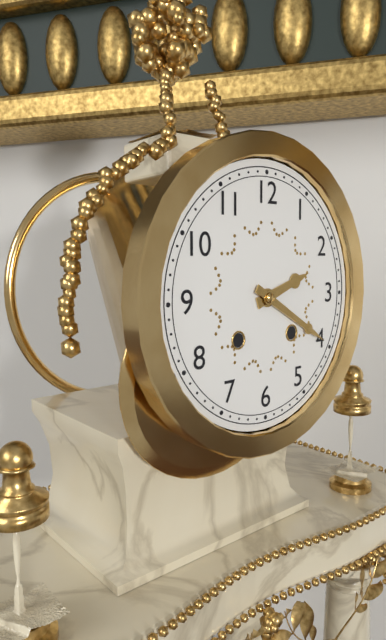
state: 2:20
